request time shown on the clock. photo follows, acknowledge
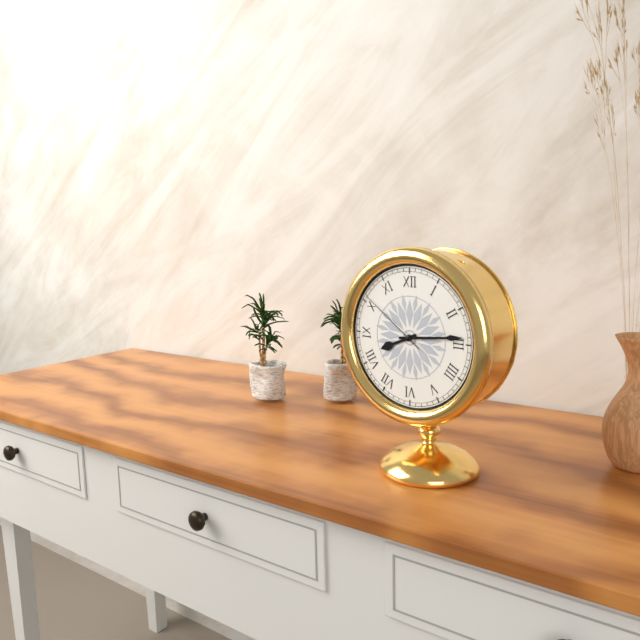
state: 8:14:51
